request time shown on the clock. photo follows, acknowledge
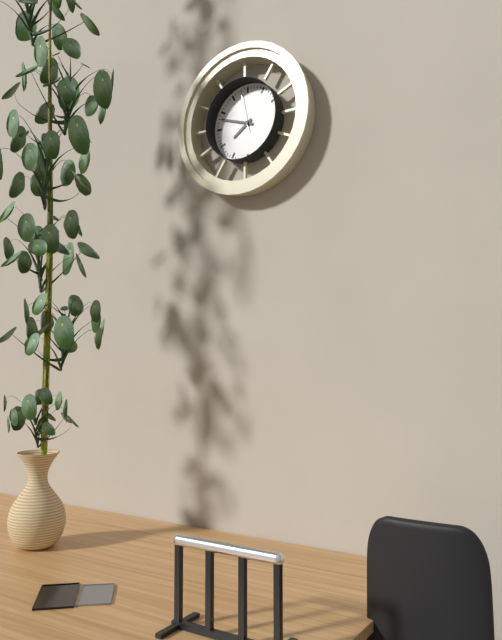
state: 7:48
